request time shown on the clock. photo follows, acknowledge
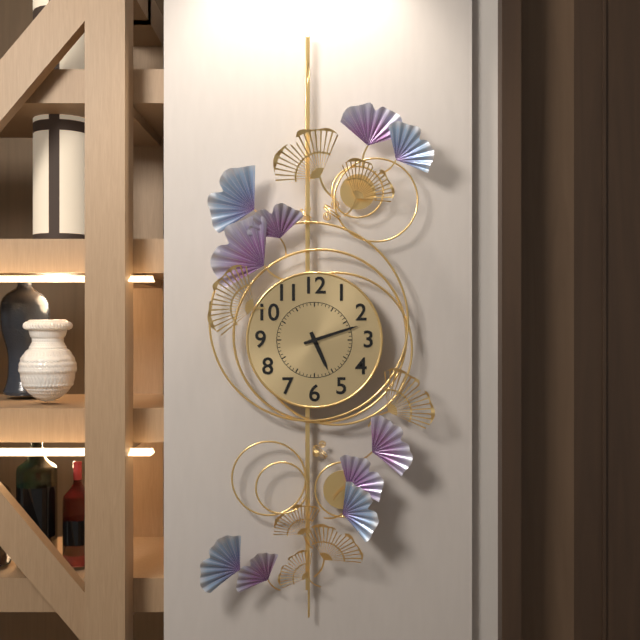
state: 5:12
